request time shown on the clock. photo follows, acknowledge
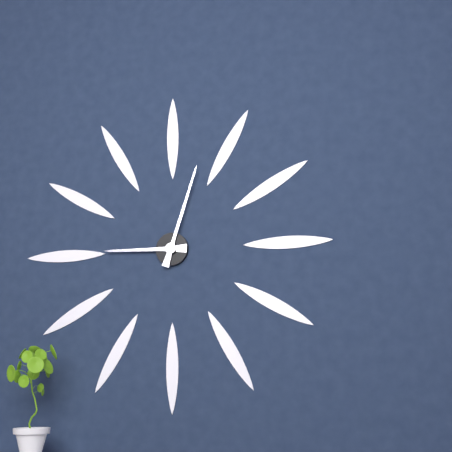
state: 9:03
